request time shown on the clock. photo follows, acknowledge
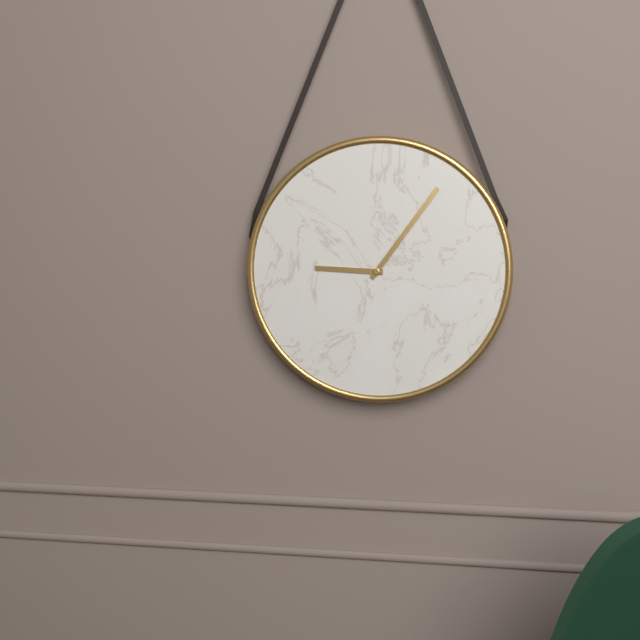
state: 9:06
